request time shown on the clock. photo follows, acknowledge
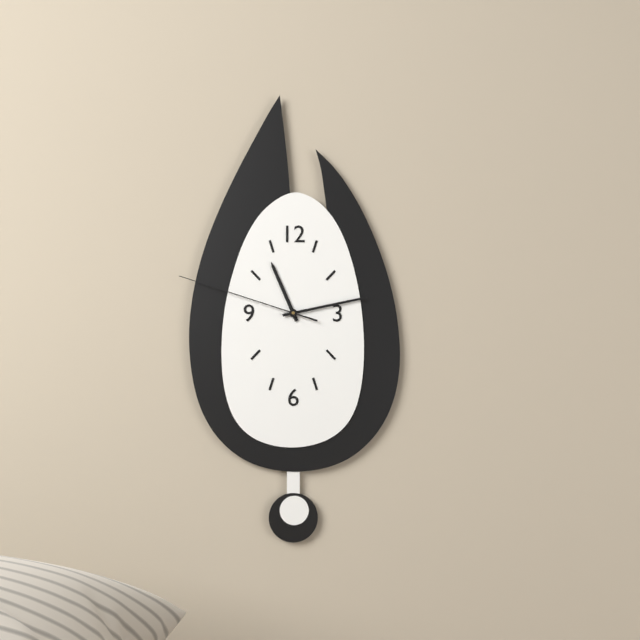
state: 11:13:48
